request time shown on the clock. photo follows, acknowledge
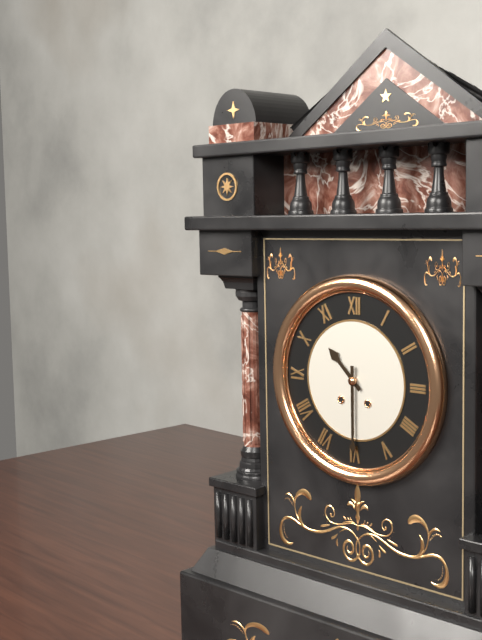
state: 10:30
